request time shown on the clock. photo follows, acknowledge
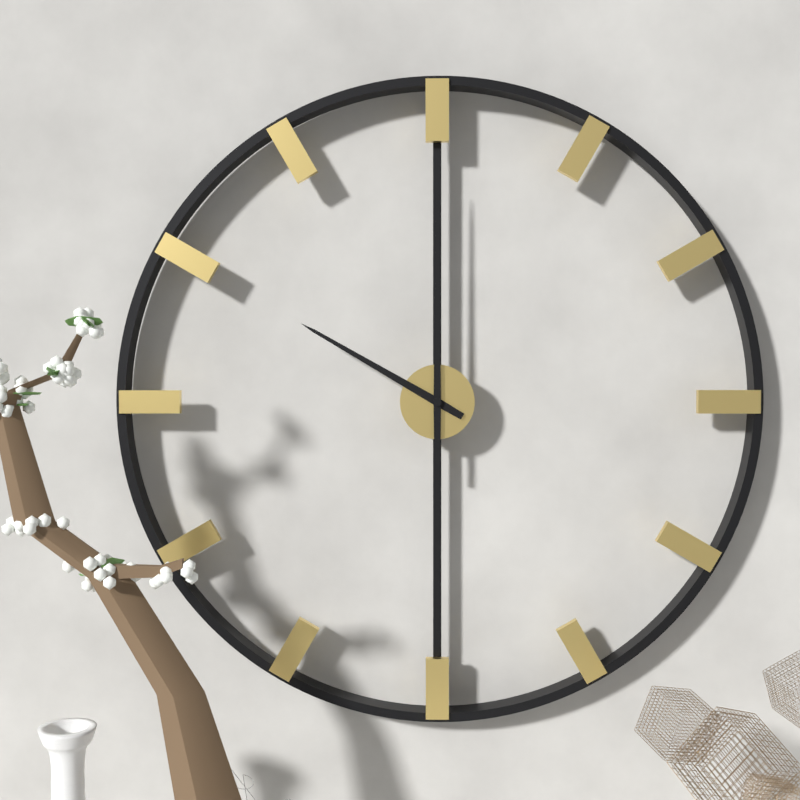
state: 10:00
